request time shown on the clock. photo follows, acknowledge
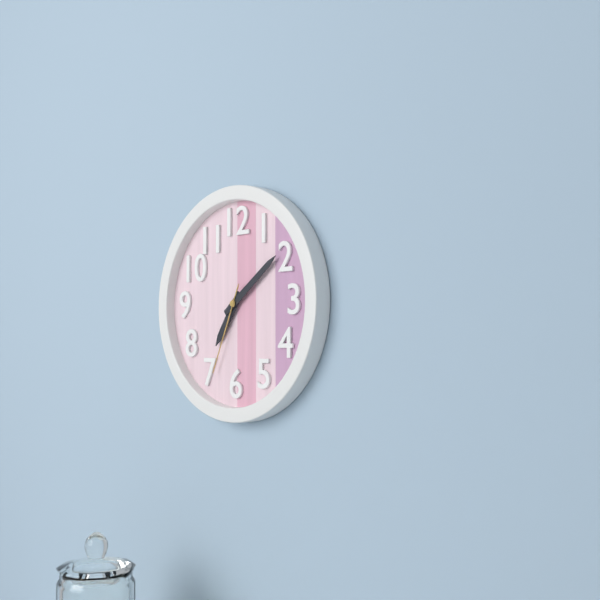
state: 7:09:34
